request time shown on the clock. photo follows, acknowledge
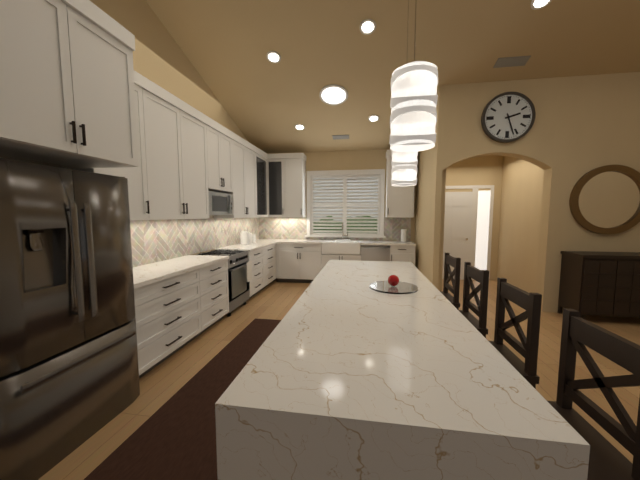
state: 2:27
